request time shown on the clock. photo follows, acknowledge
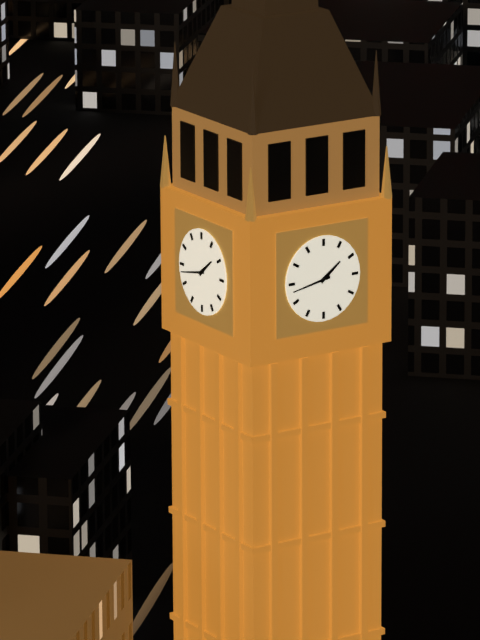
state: 1:43
